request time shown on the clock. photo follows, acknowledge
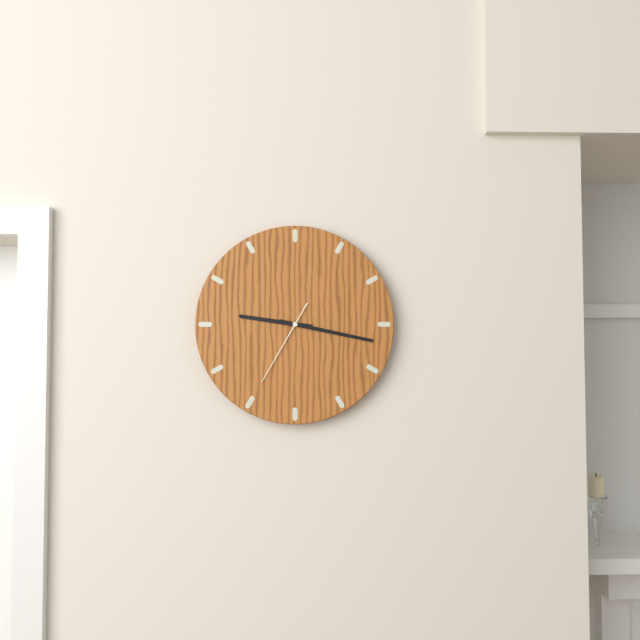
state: 9:17:35
